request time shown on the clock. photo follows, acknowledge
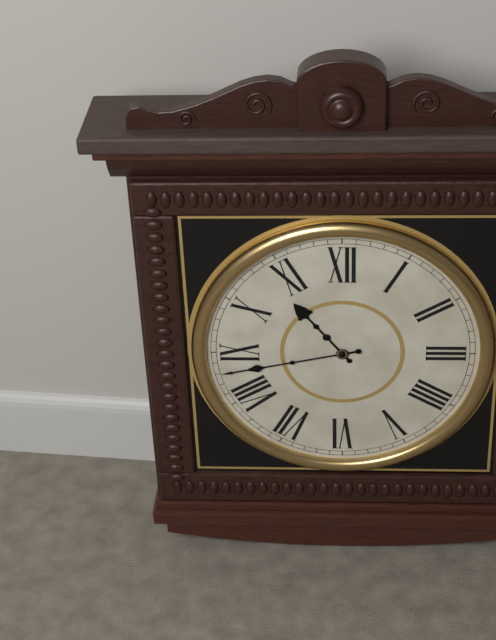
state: 10:43
